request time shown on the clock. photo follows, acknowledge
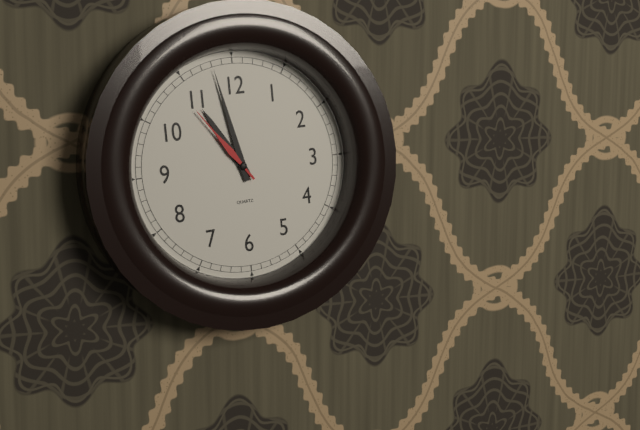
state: 10:58:54
